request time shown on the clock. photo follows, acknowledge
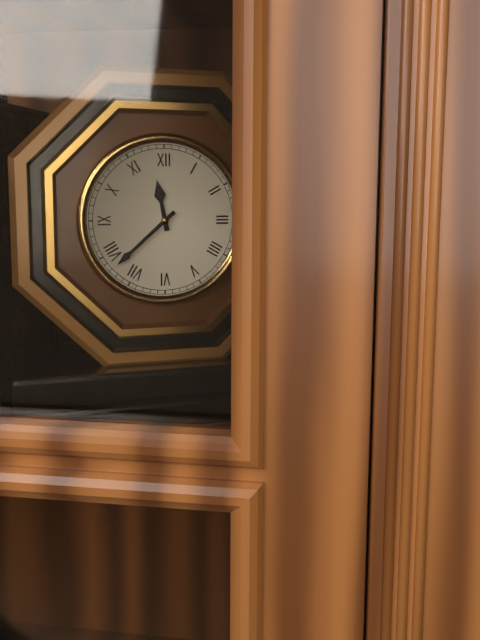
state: 11:38
